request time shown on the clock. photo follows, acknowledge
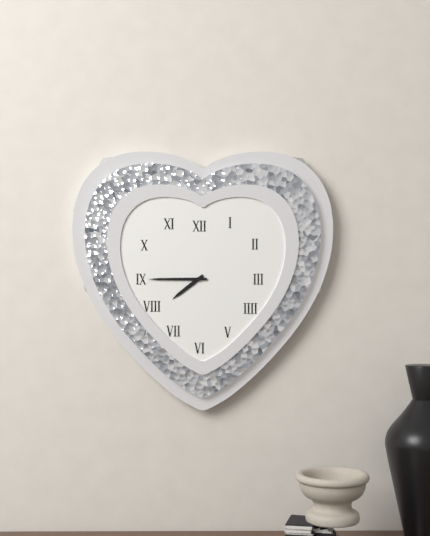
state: 7:45
